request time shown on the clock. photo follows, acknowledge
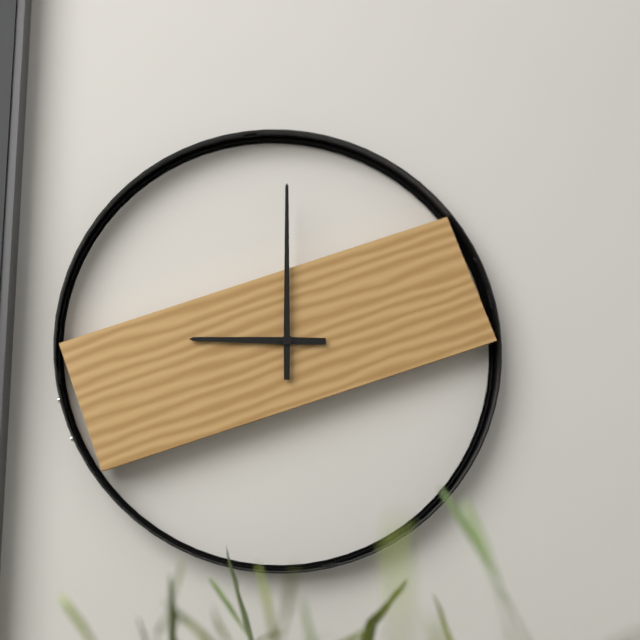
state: 9:00
